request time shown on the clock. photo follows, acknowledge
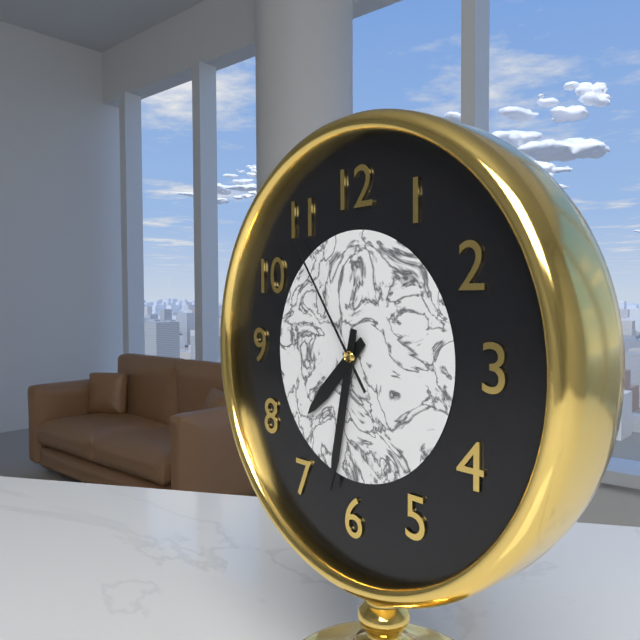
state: 7:32:54
